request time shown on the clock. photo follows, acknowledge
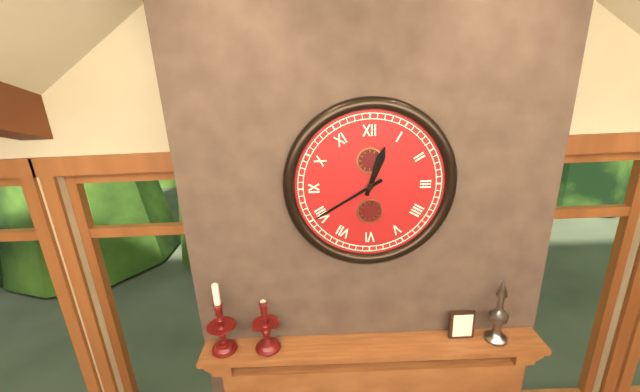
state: 12:40
